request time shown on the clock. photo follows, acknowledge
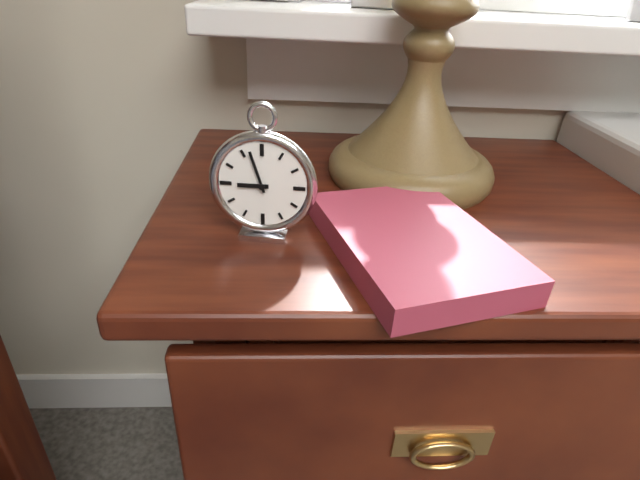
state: 8:57
